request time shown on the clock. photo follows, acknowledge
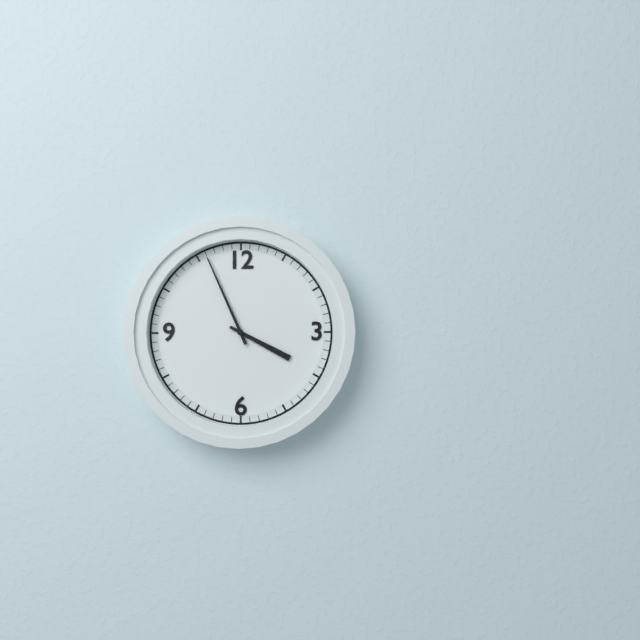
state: 3:56
